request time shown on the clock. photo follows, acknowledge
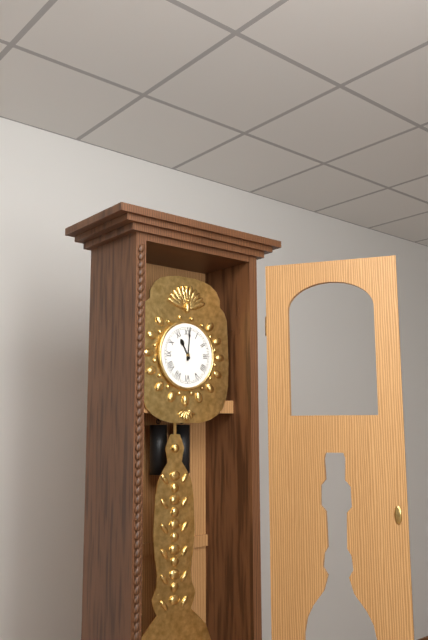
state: 11:01
